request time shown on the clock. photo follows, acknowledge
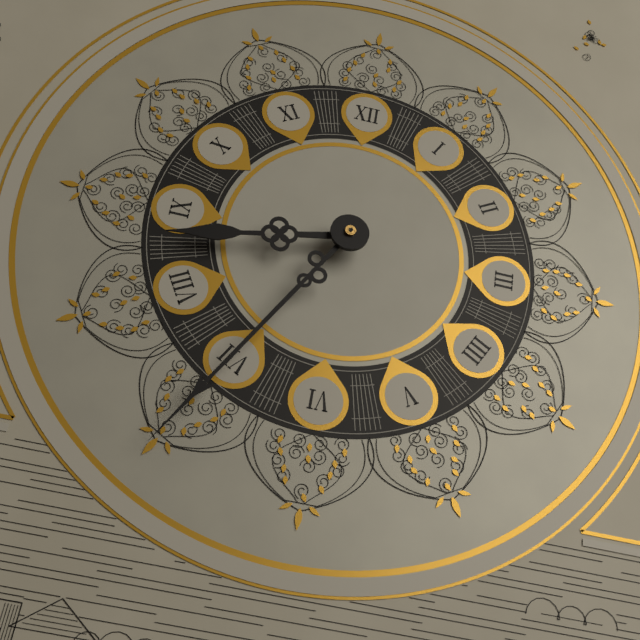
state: 8:35
